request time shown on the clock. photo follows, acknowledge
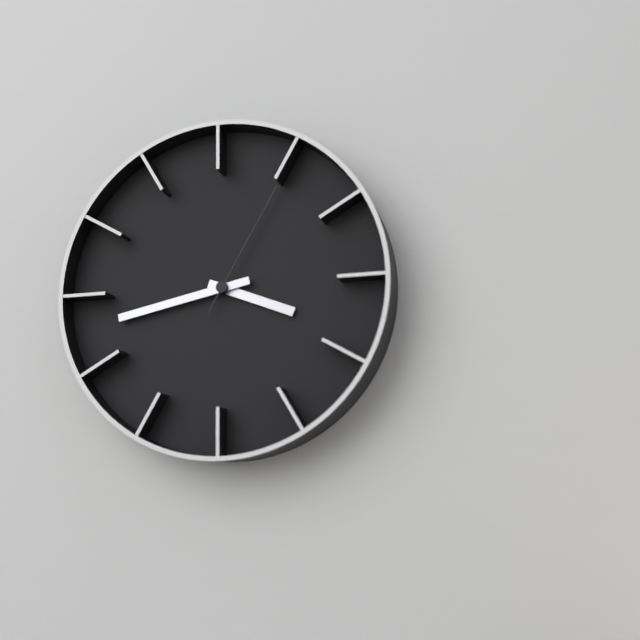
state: 3:43:05
